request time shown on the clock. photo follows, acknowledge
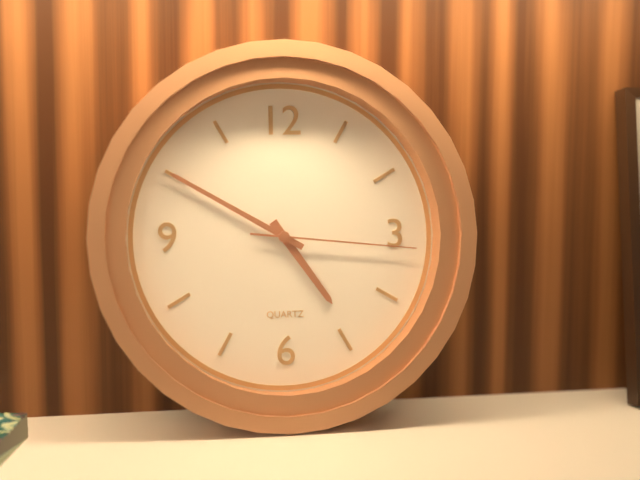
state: 4:50:16
